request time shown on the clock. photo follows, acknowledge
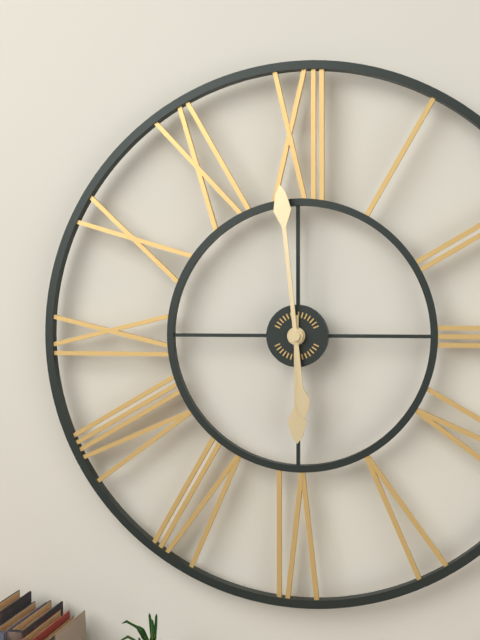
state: 5:59
